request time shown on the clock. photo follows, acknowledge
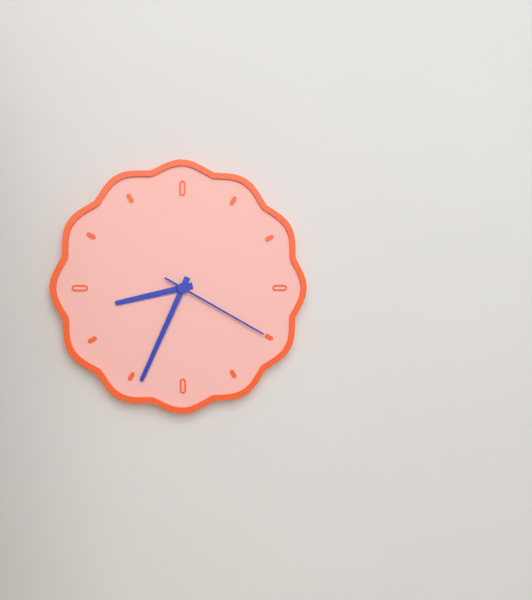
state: 8:34:20
